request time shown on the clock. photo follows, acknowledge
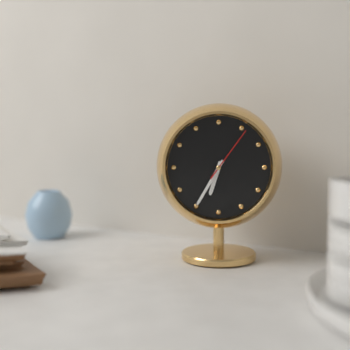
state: 6:35:06
